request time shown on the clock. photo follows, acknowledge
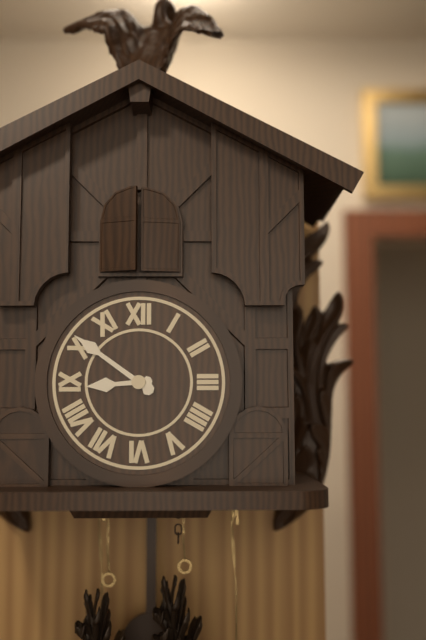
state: 8:51
